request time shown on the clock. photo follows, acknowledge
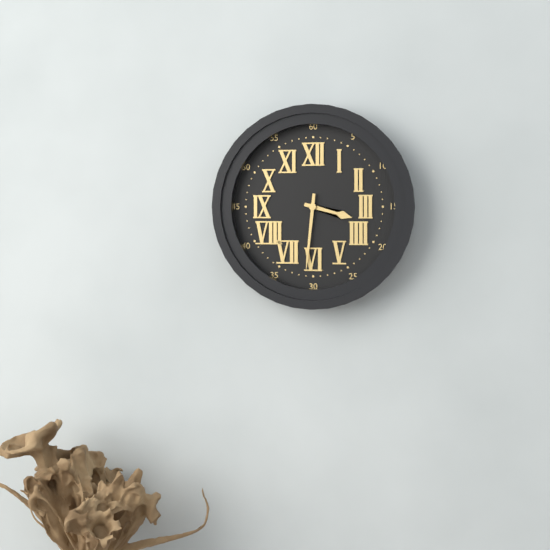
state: 3:31
